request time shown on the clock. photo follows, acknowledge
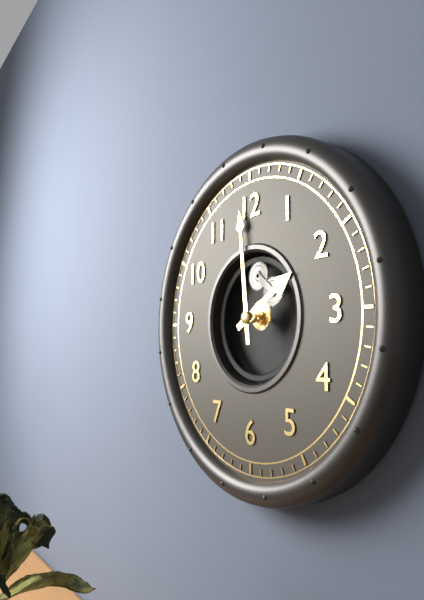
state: 1:59
